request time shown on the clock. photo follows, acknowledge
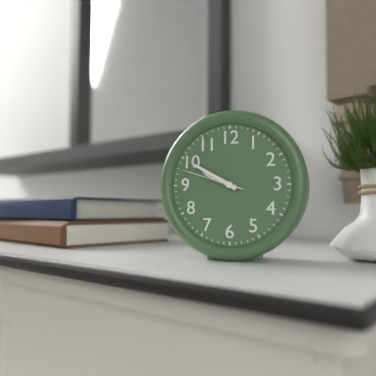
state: 9:50:48
